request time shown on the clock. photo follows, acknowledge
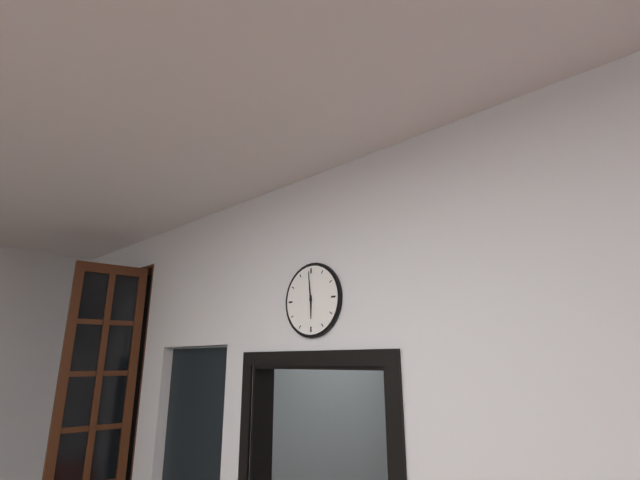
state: 5:59
